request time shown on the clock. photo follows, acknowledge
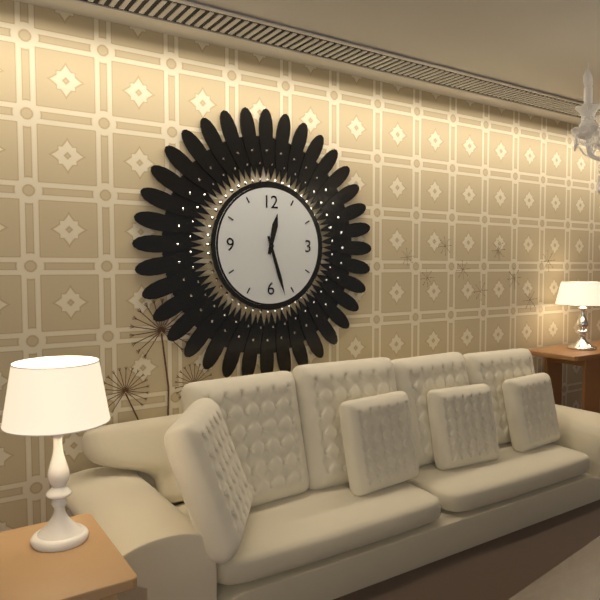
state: 12:27
